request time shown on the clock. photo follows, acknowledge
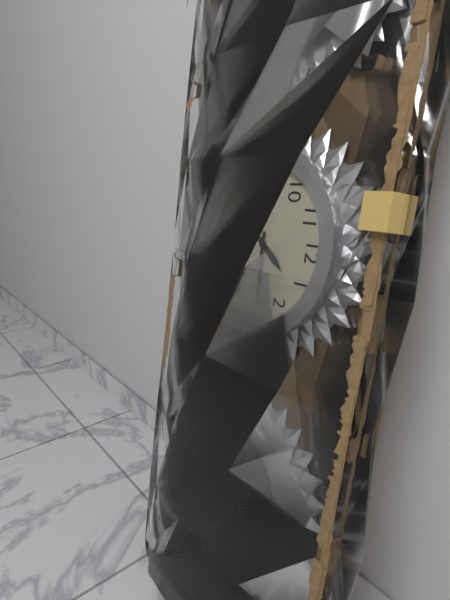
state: 1:15
